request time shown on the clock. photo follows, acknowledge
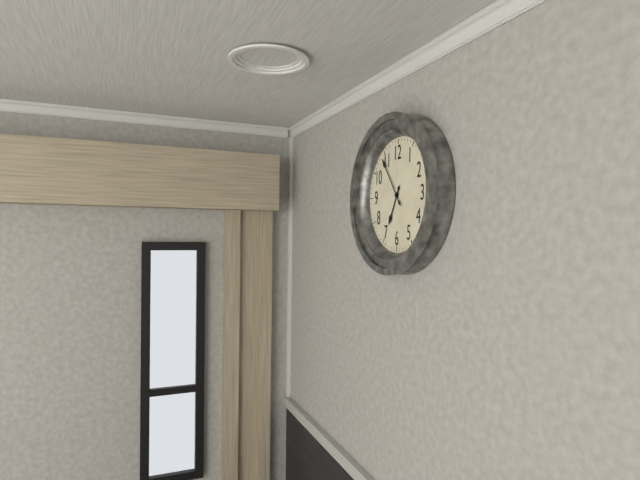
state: 6:54
